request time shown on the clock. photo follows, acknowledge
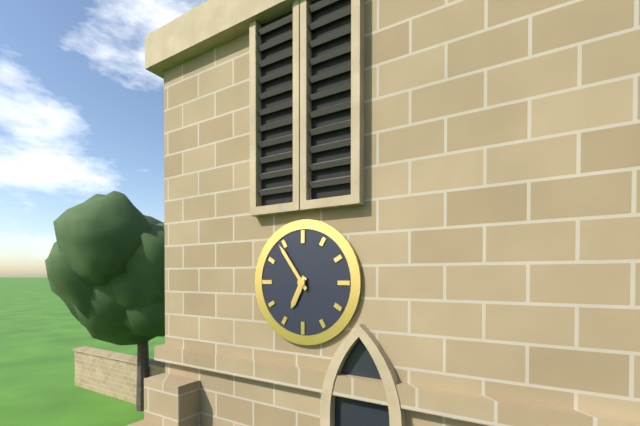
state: 6:54
